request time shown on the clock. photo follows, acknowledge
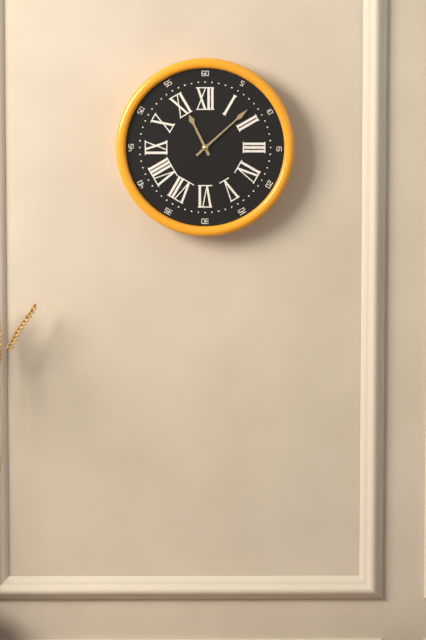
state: 11:08
